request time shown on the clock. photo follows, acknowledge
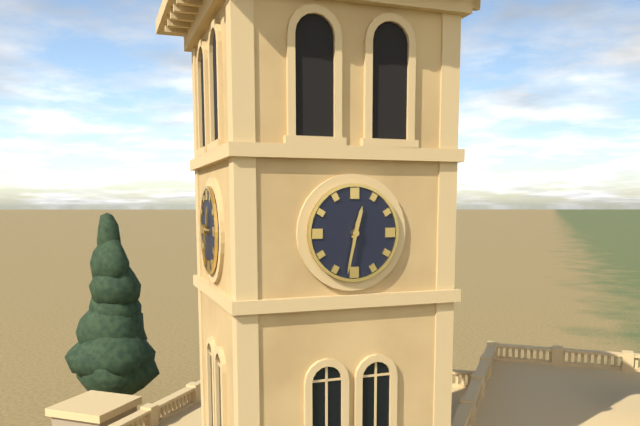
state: 12:32
